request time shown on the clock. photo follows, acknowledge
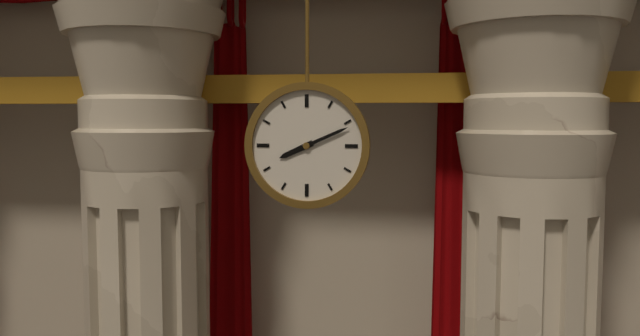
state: 8:11
